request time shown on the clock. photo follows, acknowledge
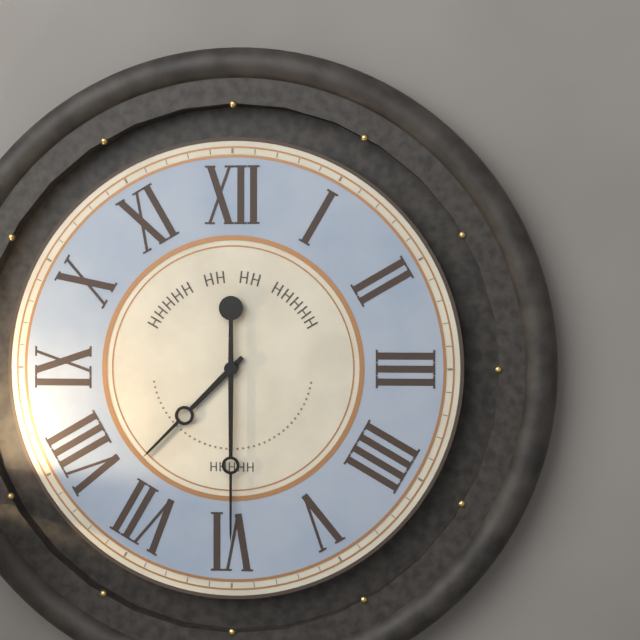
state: 7:30
